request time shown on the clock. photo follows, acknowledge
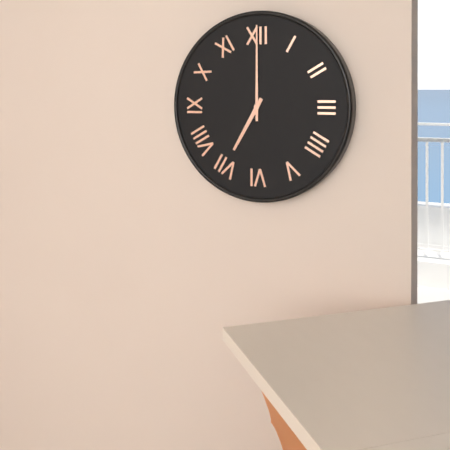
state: 7:00
